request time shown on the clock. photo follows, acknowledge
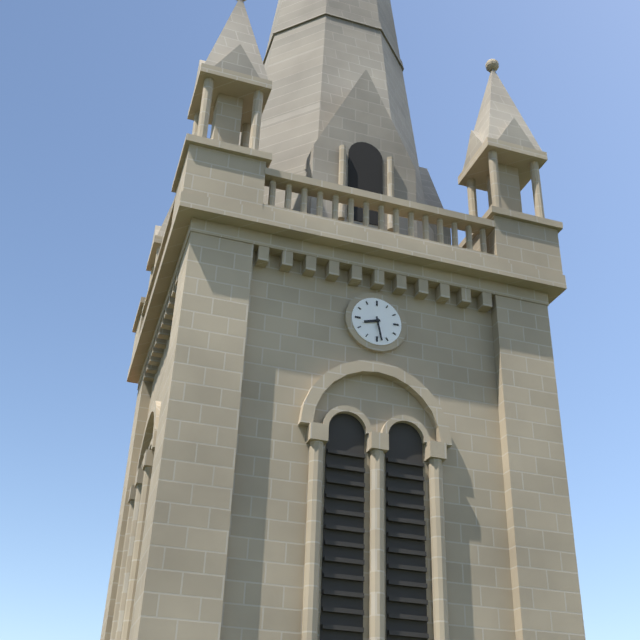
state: 8:28
